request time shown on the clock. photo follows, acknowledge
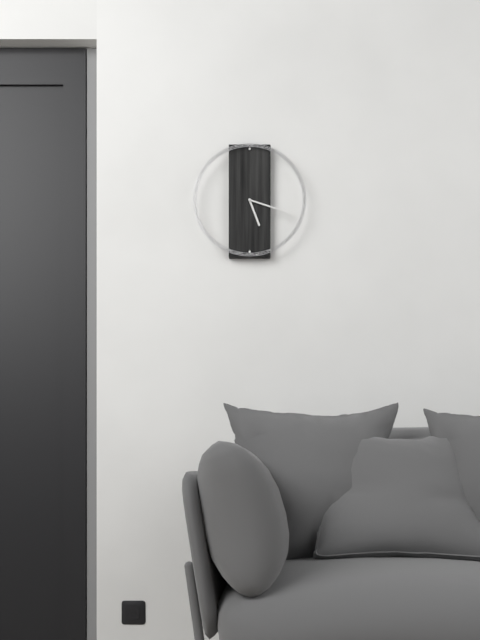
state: 5:18
